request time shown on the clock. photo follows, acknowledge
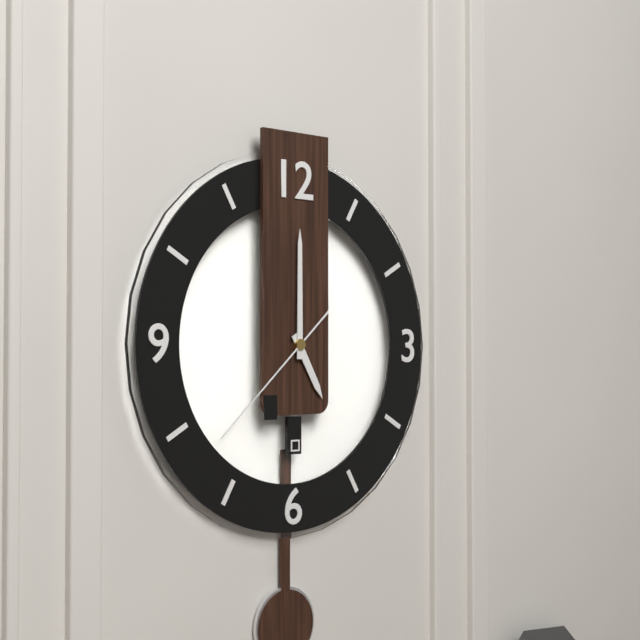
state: 5:00:38
